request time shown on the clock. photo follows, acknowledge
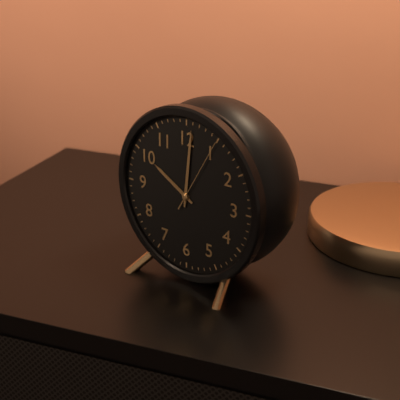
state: 10:01:05
